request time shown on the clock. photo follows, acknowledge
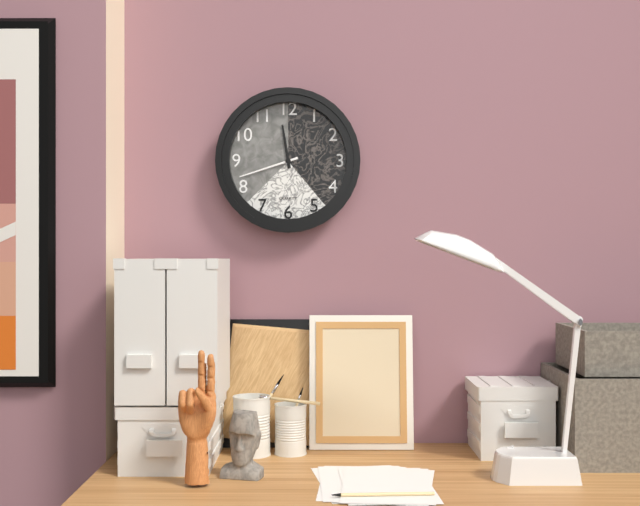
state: 11:42
